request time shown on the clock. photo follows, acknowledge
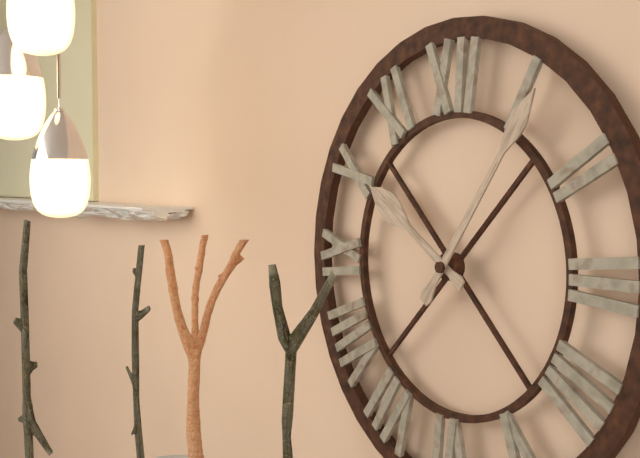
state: 10:06
